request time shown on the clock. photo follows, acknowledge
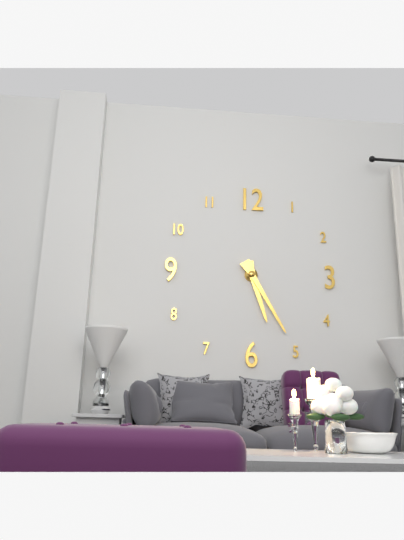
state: 5:25
